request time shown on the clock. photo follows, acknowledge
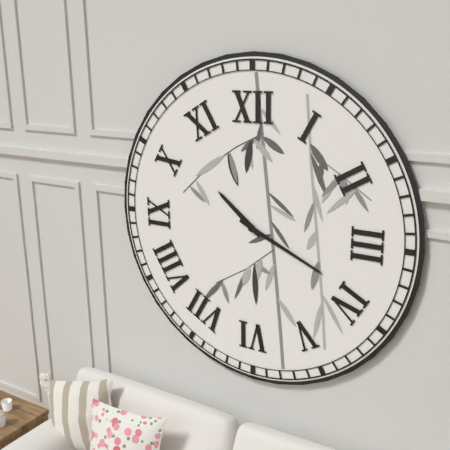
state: 10:19
